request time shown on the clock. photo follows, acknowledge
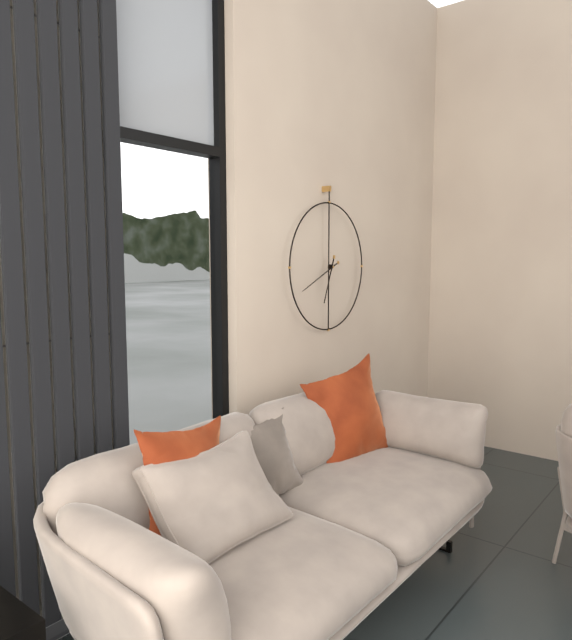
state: 6:41
